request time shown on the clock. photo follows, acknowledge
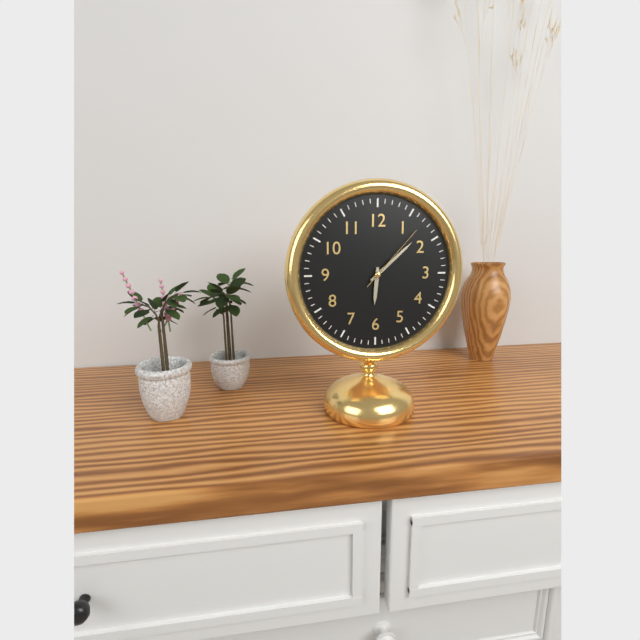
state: 6:08:07
